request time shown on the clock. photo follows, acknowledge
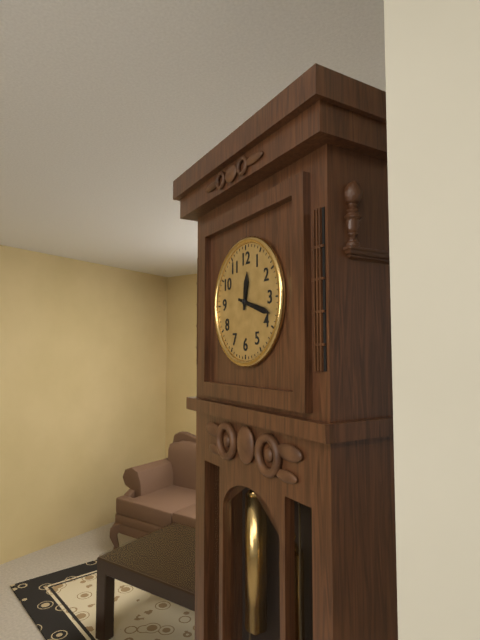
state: 12:18
